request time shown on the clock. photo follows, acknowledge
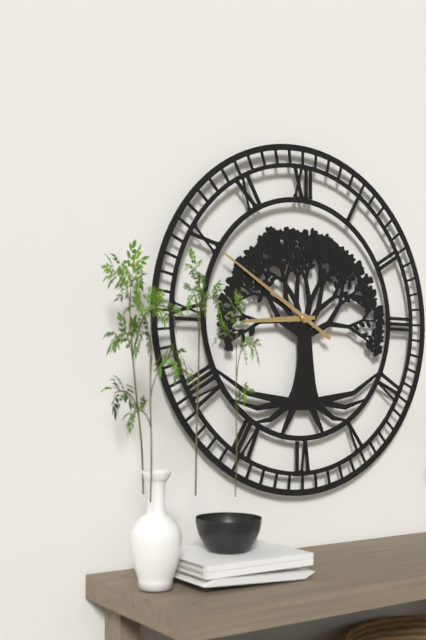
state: 8:50
